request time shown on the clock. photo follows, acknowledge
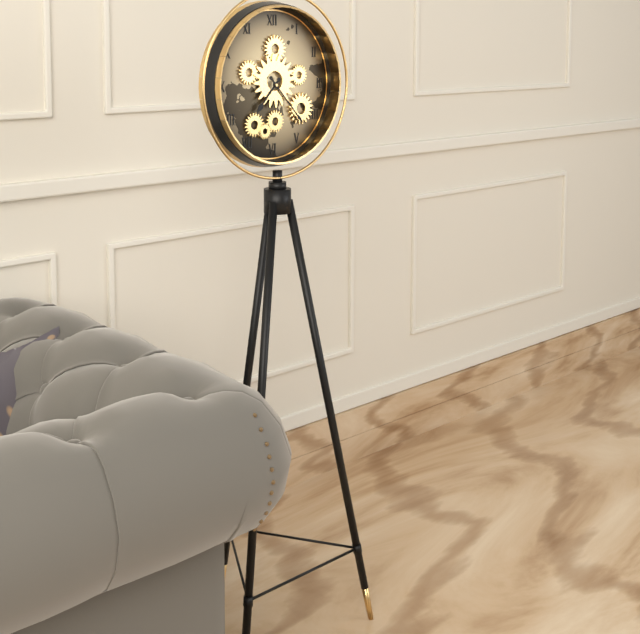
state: 7:23
